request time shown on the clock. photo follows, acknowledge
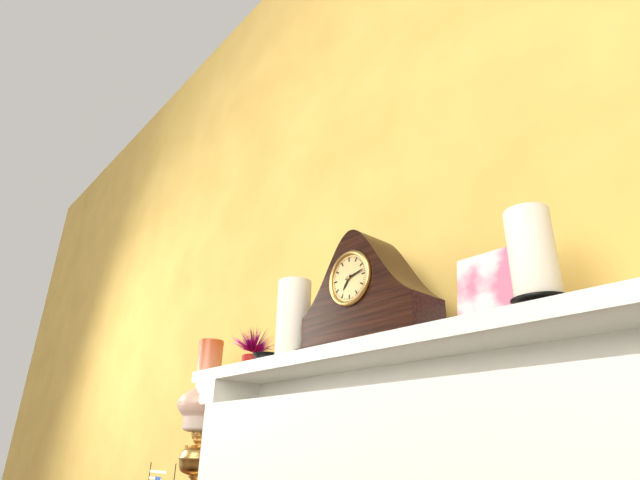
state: 7:13
